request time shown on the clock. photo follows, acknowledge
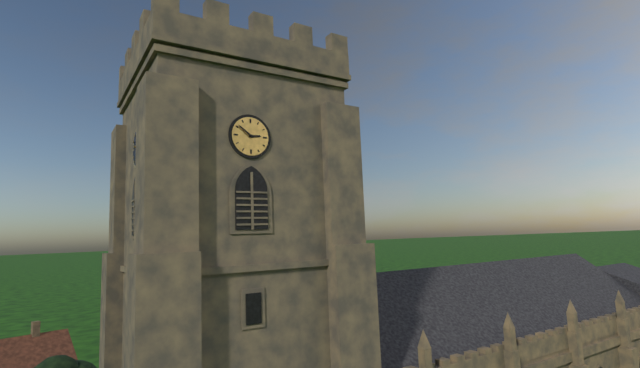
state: 2:51
